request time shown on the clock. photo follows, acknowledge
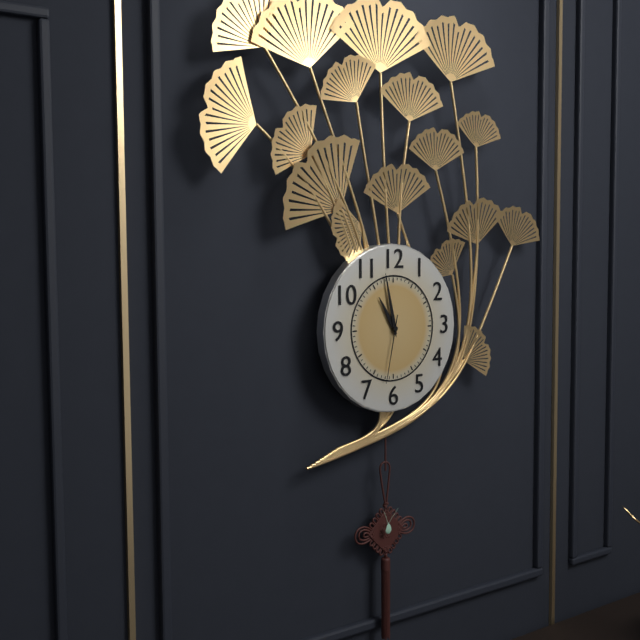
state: 10:58:32
